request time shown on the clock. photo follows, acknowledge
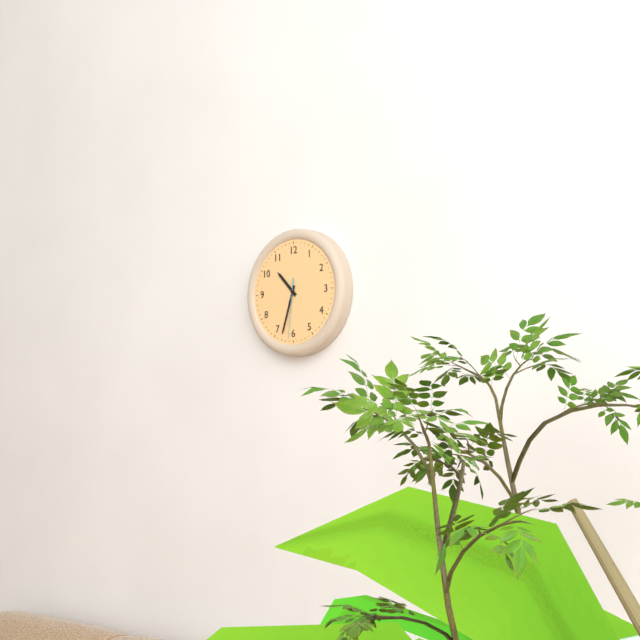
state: 10:33:31
